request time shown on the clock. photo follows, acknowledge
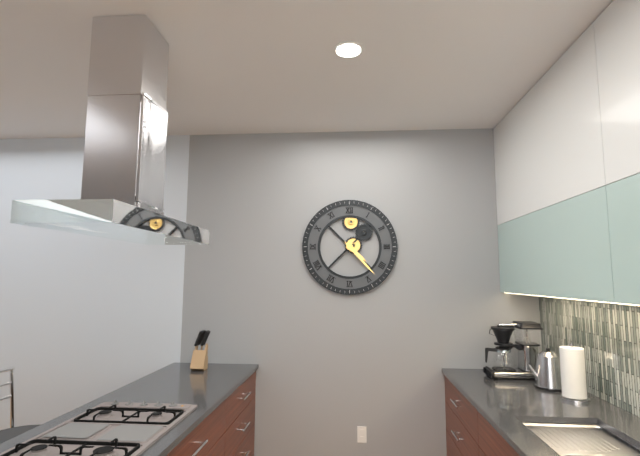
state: 4:23
